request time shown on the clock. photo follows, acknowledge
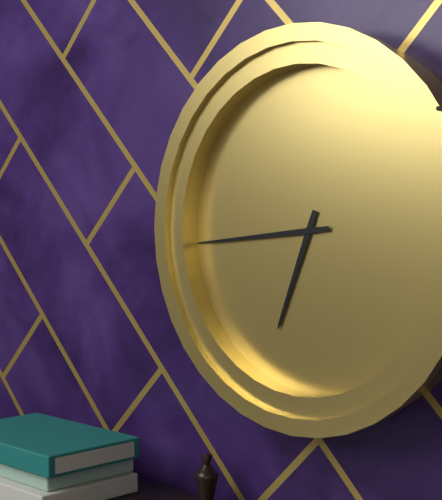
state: 6:44
